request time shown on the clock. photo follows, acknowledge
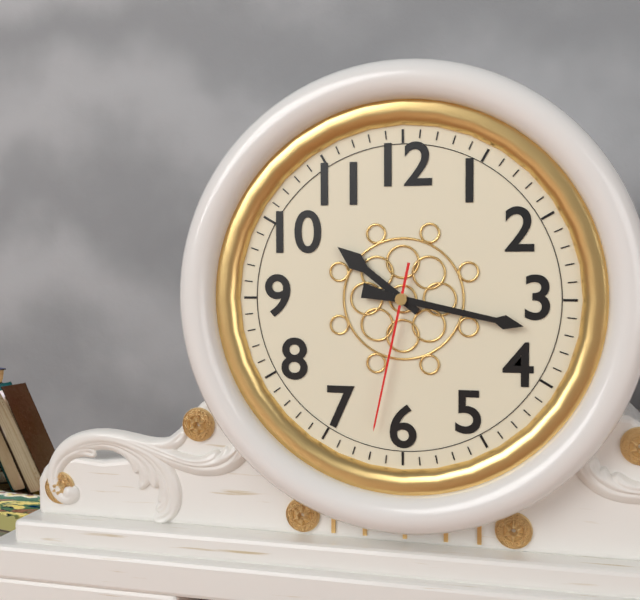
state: 10:17:32
